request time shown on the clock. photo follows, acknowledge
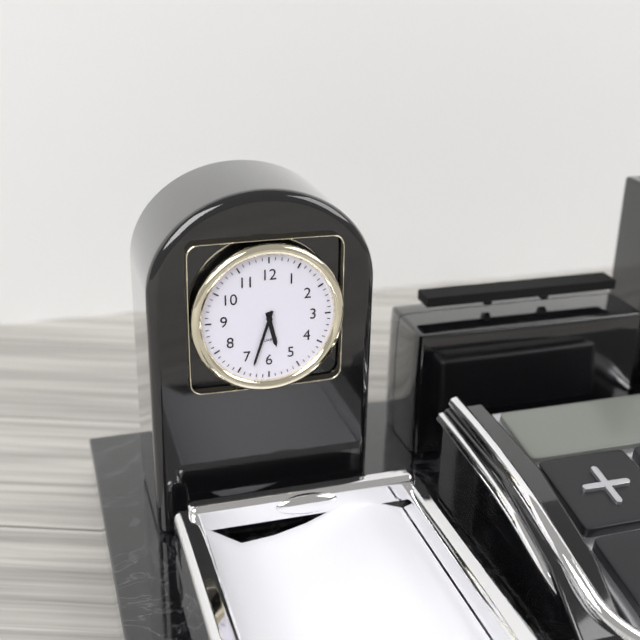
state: 5:33
